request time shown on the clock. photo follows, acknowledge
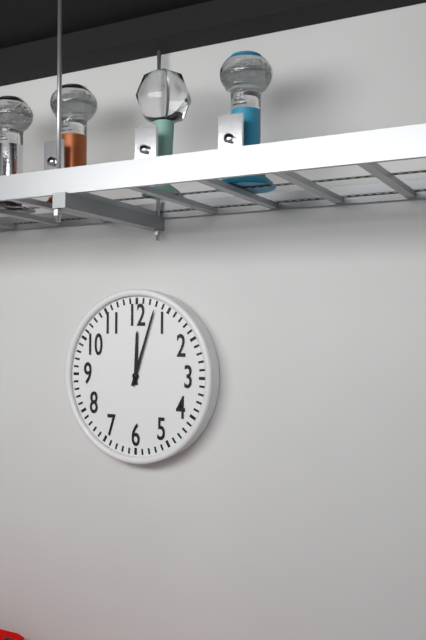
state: 12:03
